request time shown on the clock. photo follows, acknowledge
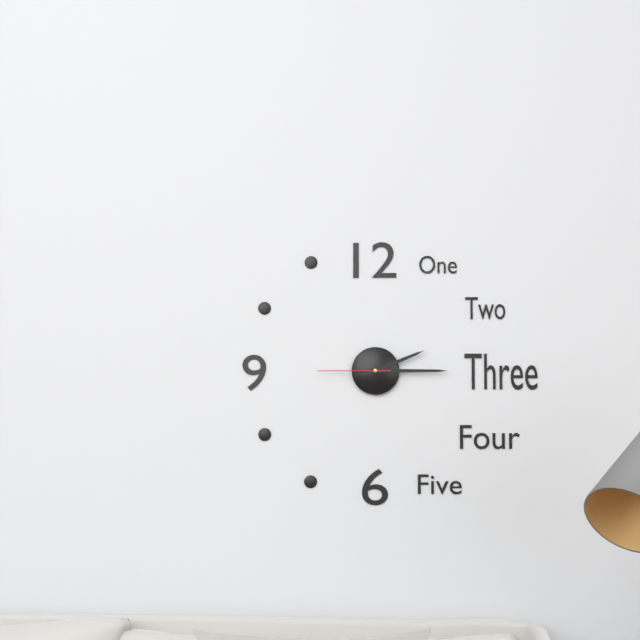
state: 2:15:45
